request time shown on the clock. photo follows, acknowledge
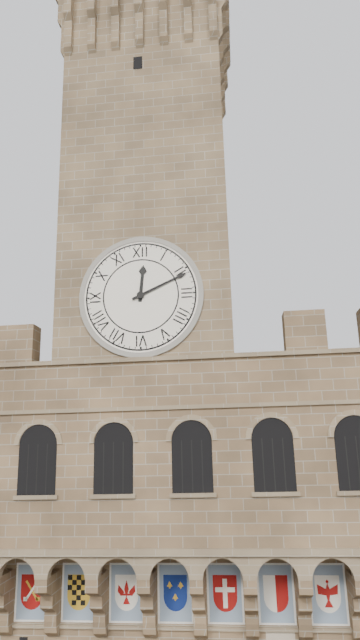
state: 12:11
